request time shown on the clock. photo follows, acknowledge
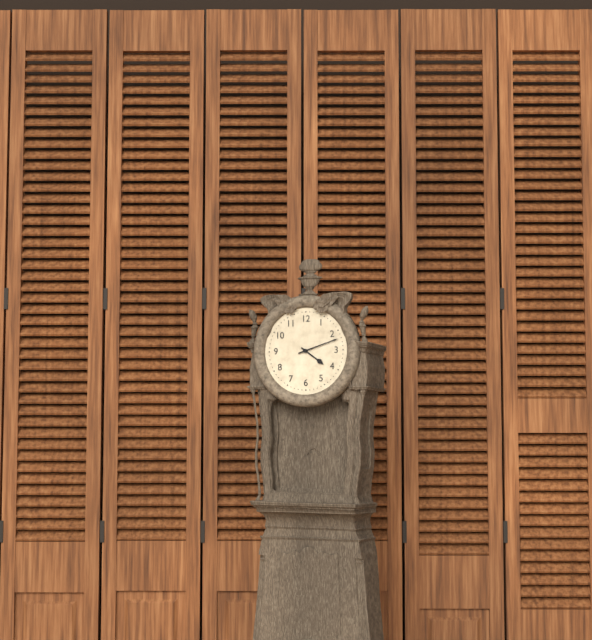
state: 4:12
